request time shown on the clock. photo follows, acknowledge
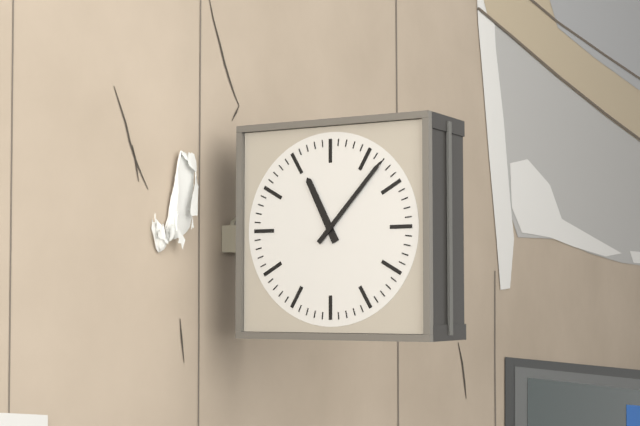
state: 11:07
